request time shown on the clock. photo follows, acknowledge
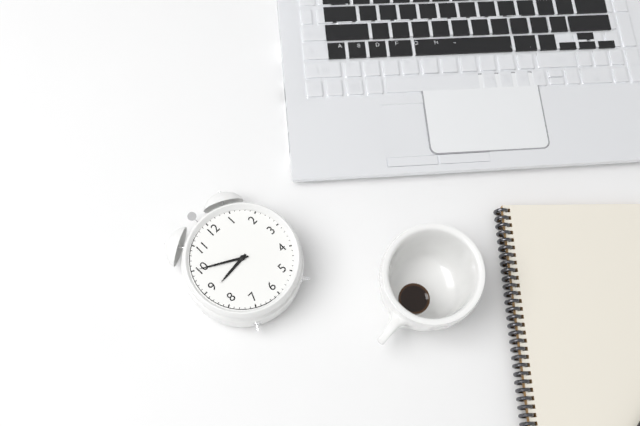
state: 8:50
